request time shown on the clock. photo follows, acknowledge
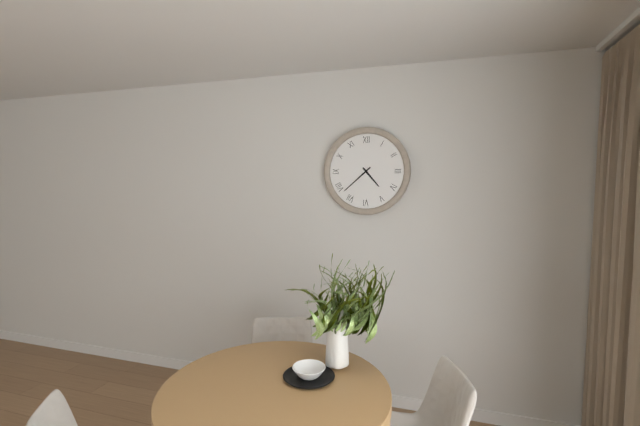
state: 4:38
